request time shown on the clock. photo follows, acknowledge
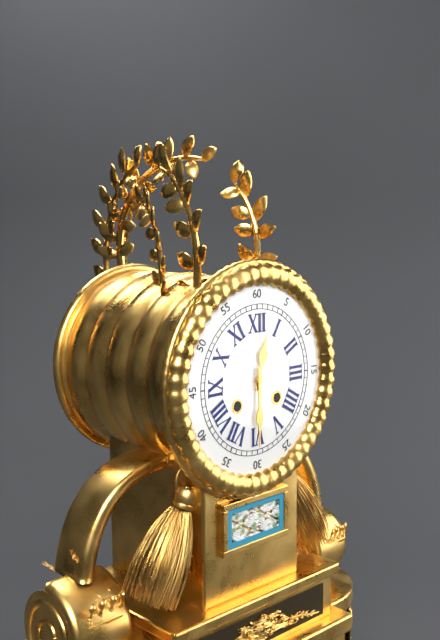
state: 12:30
